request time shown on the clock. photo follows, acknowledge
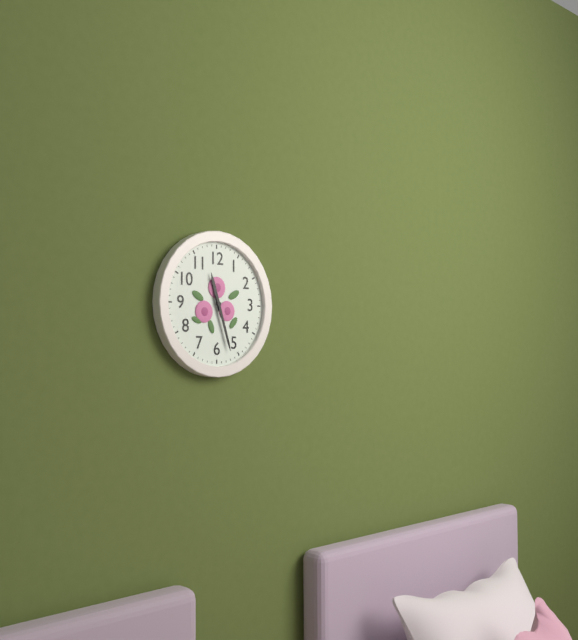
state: 11:27
